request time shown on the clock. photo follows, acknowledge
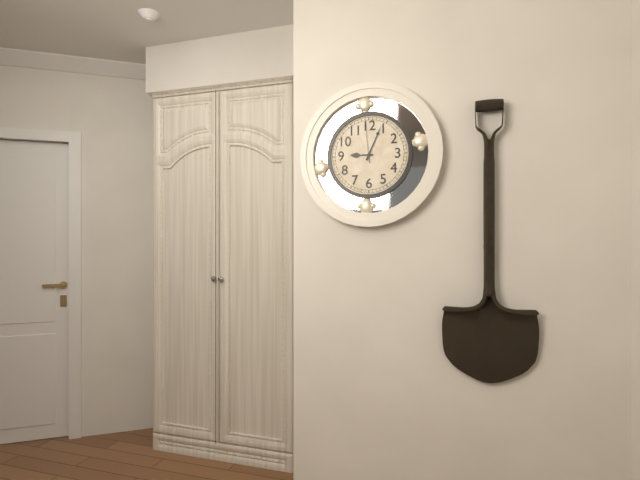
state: 9:04
